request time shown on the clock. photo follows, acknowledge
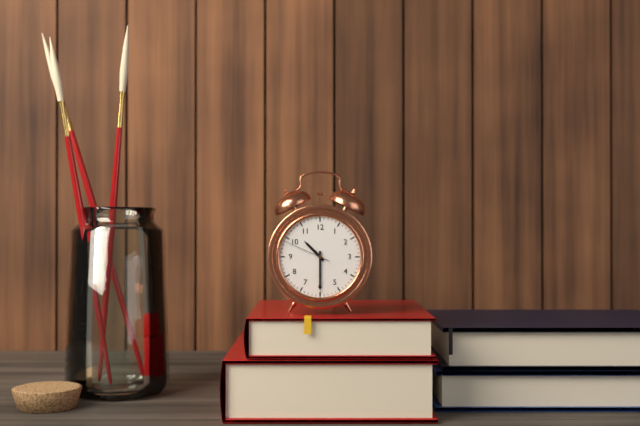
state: 10:30
